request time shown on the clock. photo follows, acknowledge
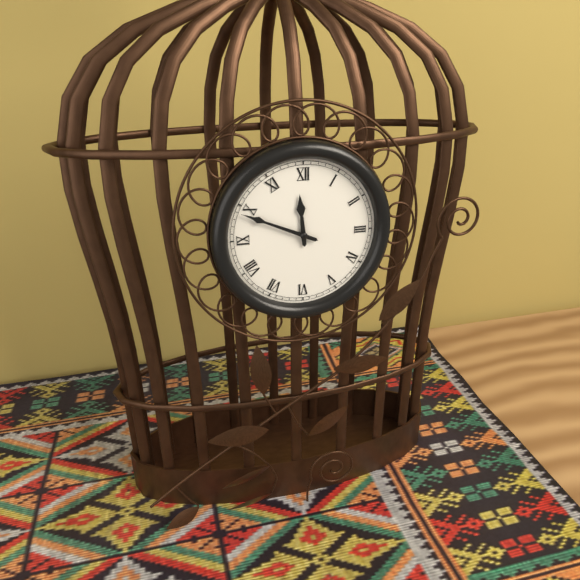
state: 11:49
